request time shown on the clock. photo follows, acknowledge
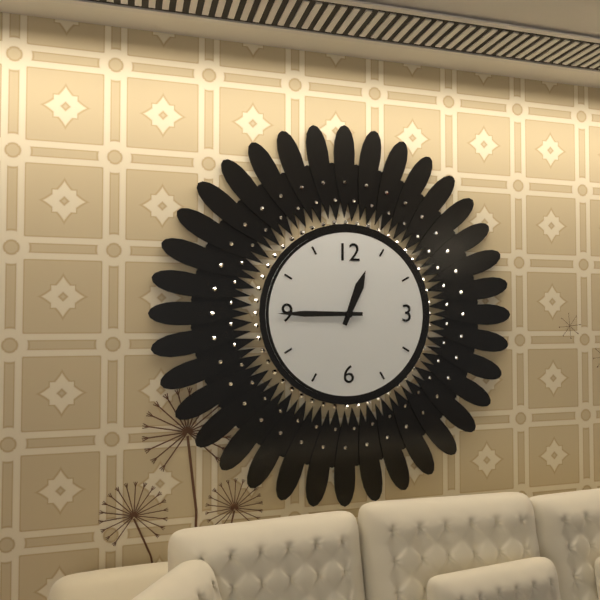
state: 12:45
